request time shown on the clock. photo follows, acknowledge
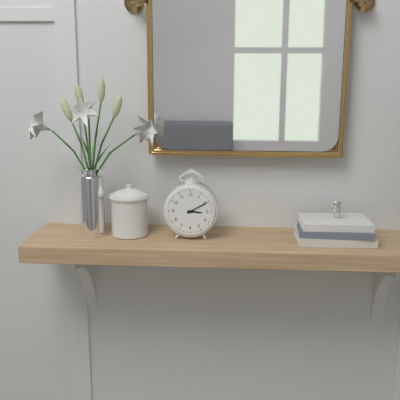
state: 3:10
